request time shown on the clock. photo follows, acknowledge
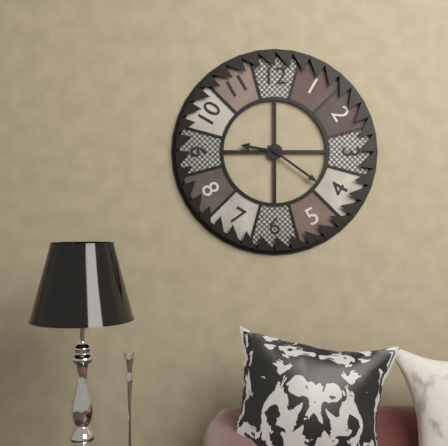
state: 9:21
